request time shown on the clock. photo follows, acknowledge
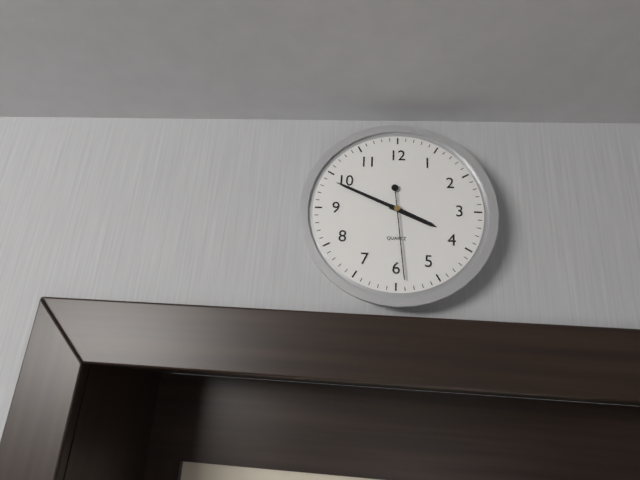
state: 3:49:29
